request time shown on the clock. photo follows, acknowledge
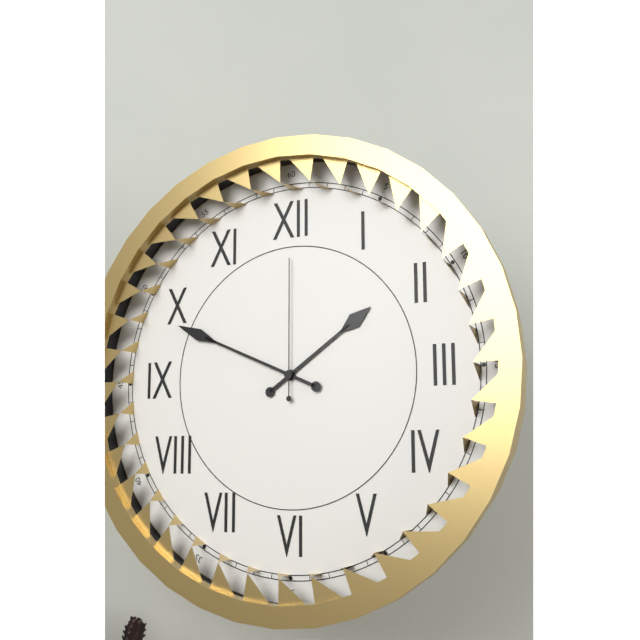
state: 1:49:00
